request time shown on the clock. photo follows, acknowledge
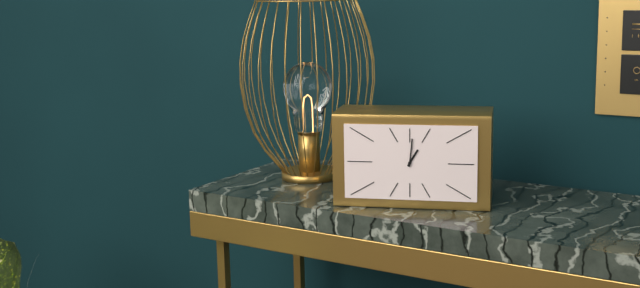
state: 1:01
